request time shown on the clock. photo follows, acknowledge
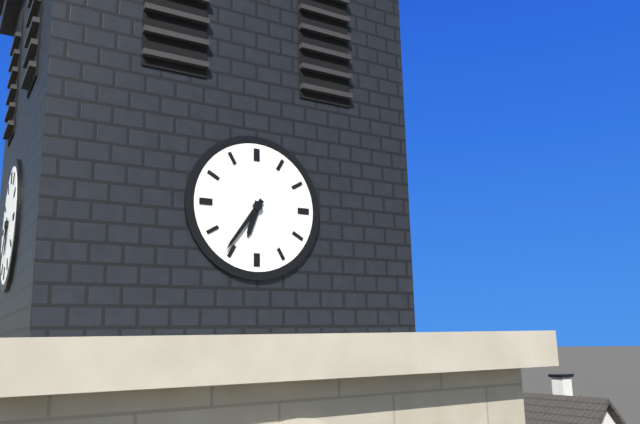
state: 6:36
